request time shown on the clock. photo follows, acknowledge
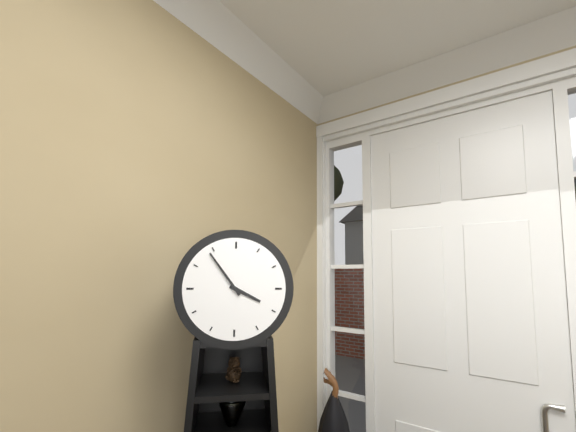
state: 3:54
